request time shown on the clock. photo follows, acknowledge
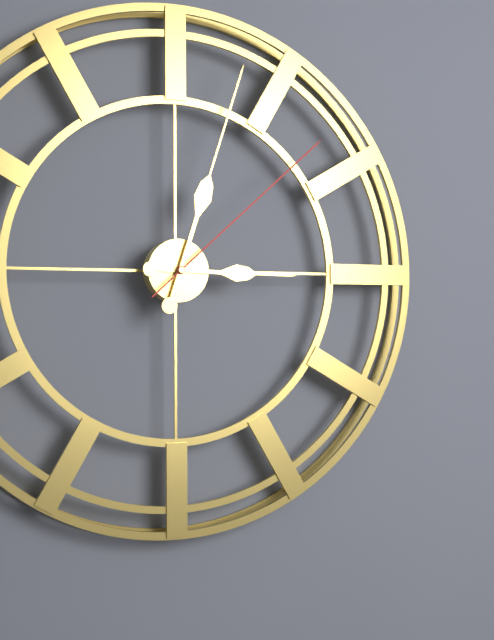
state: 3:03:08
